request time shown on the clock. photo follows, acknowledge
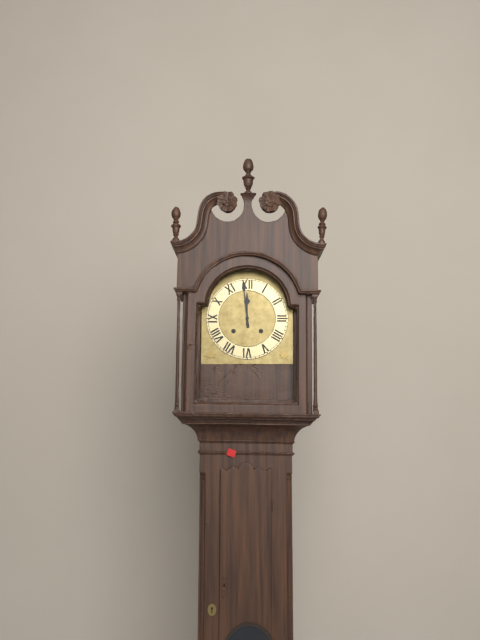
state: 11:59
